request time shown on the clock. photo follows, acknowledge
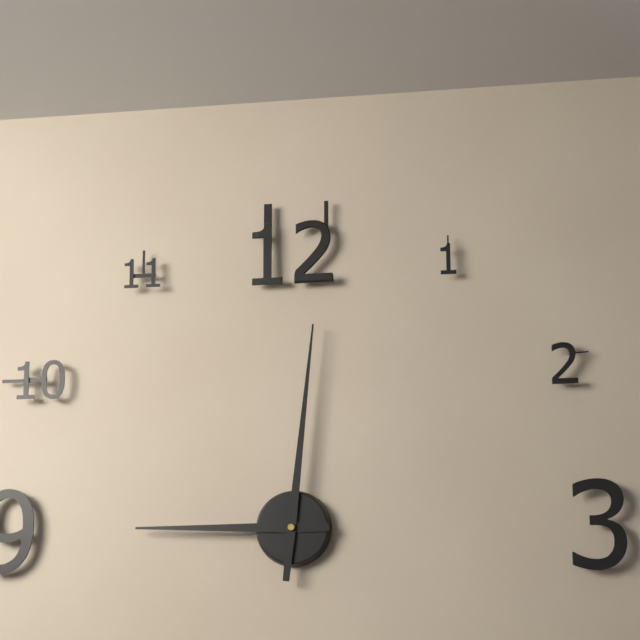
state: 9:01
